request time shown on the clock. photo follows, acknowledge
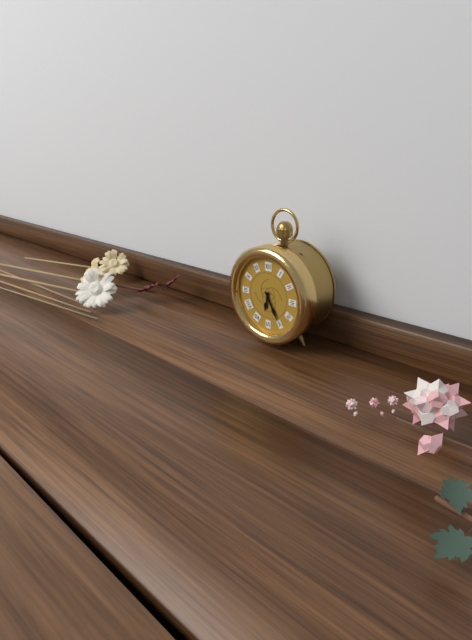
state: 6:25
